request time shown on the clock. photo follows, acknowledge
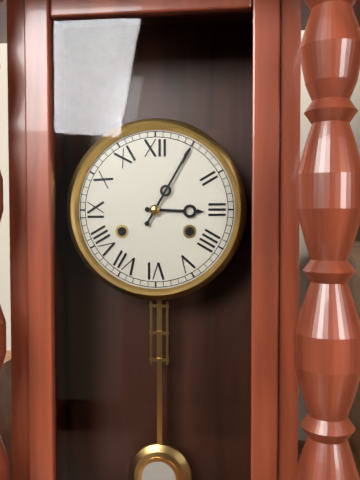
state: 3:05
